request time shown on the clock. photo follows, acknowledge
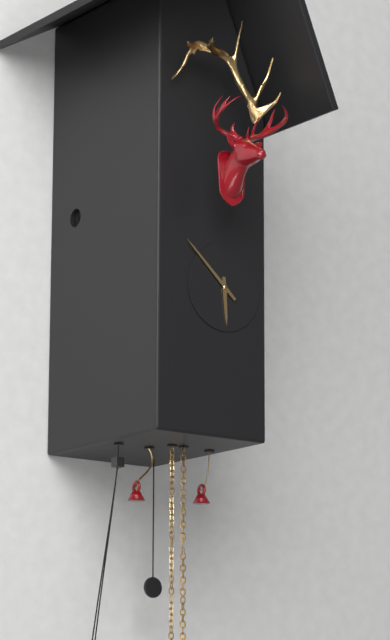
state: 5:52
